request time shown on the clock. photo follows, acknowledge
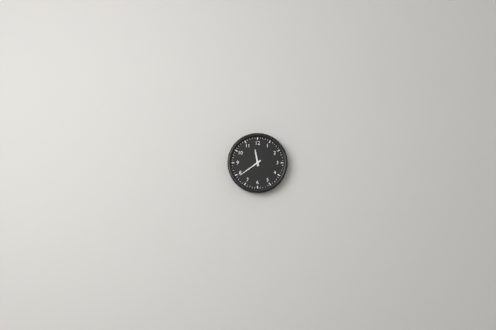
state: 11:39
